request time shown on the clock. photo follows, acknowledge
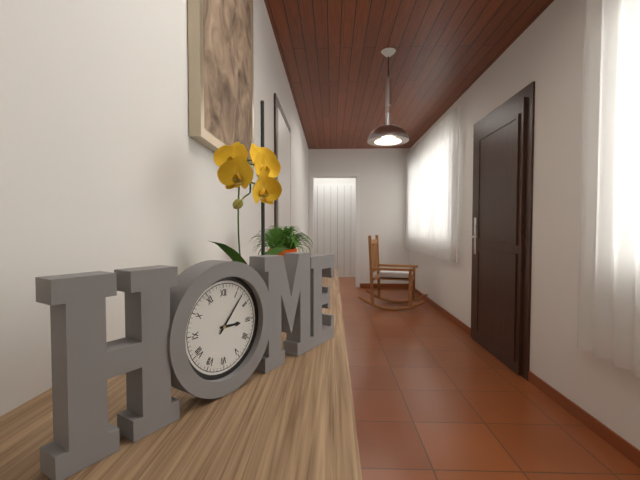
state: 3:07
